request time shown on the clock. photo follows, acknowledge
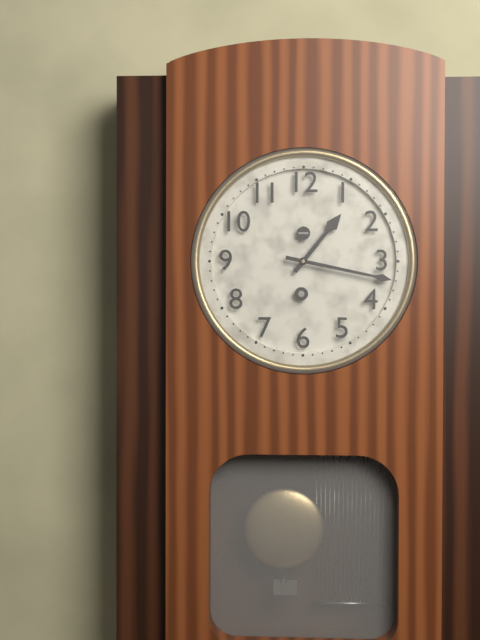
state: 1:17
